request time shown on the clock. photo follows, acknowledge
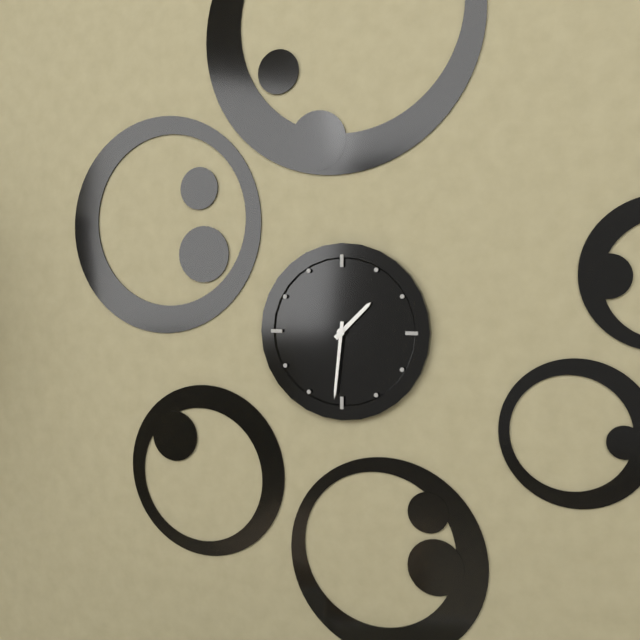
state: 1:31
